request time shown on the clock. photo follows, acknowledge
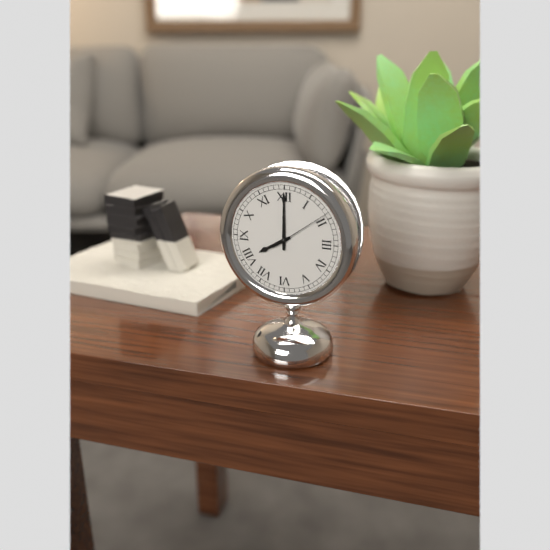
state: 8:00:09
